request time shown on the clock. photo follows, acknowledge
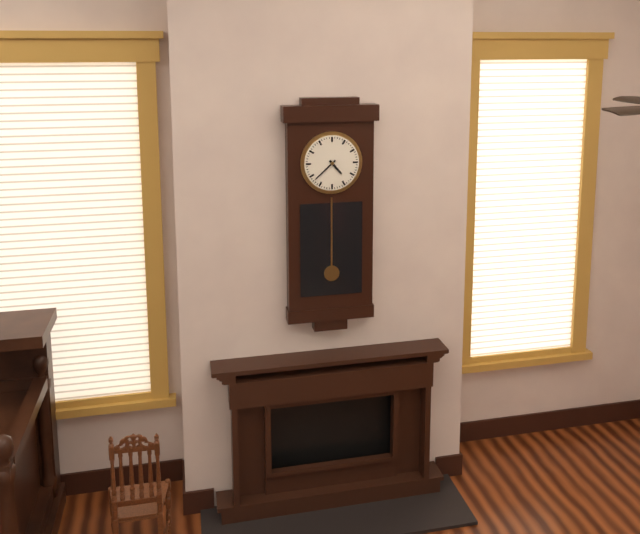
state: 4:38
